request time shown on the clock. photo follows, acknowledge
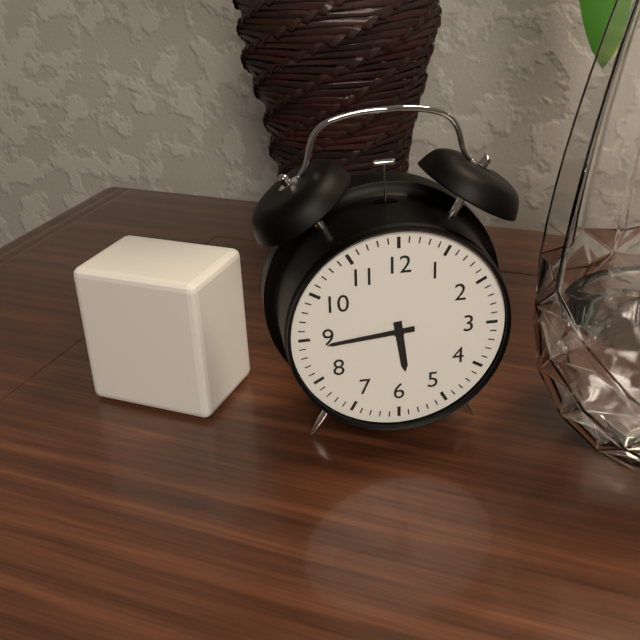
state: 5:44
